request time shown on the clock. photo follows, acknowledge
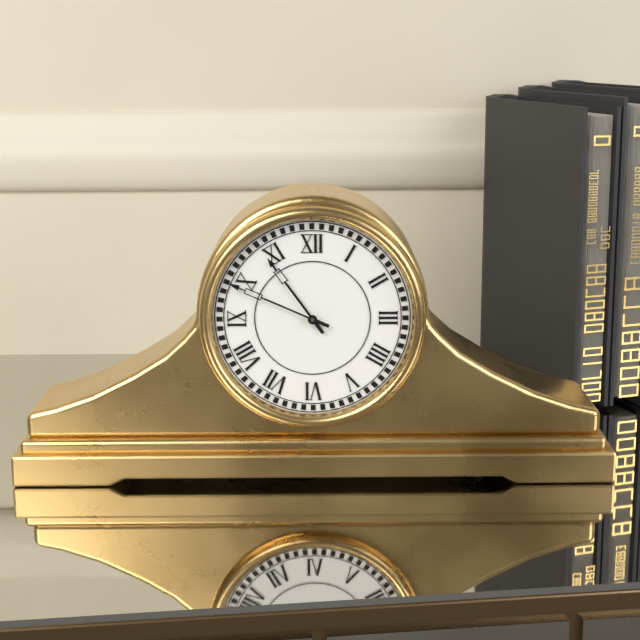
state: 10:49
